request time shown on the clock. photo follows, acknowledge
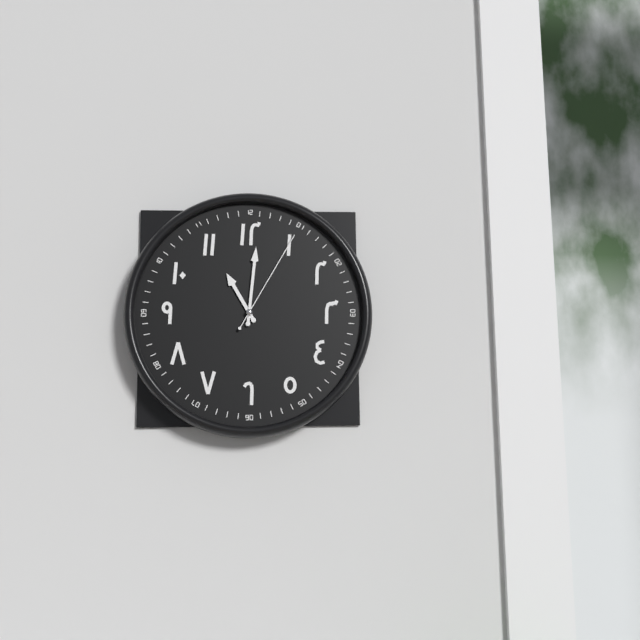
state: 11:01:05
